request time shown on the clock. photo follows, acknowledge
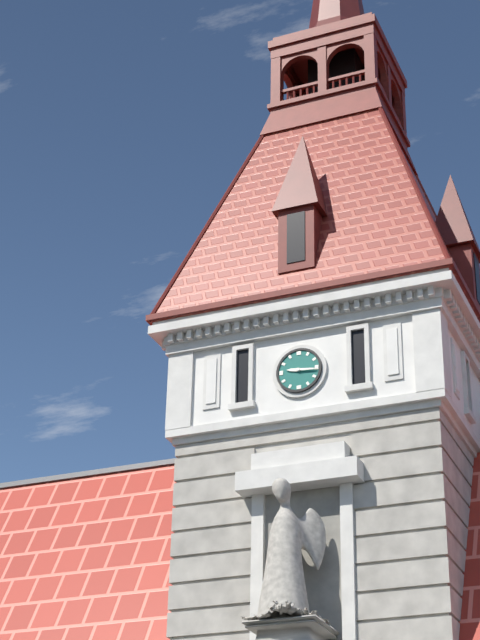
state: 9:16
